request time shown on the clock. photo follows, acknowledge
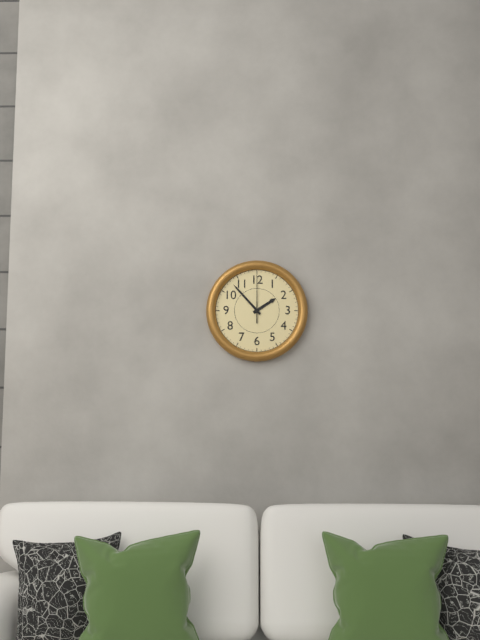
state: 1:53
